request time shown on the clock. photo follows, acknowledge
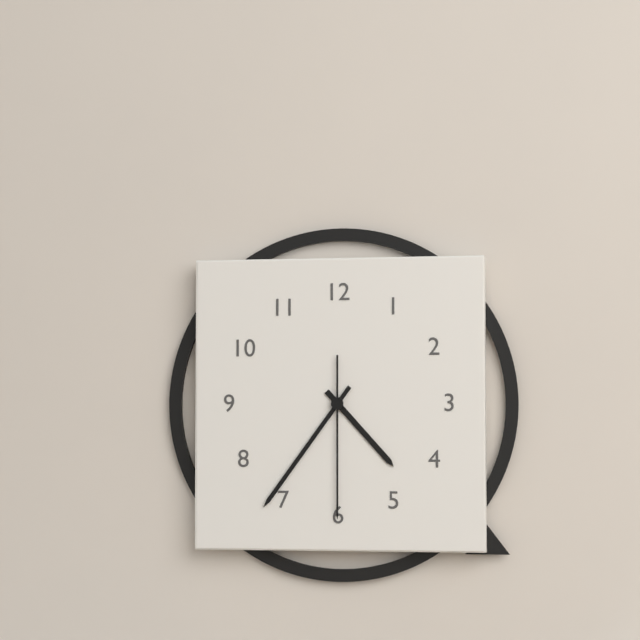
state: 4:36:30
